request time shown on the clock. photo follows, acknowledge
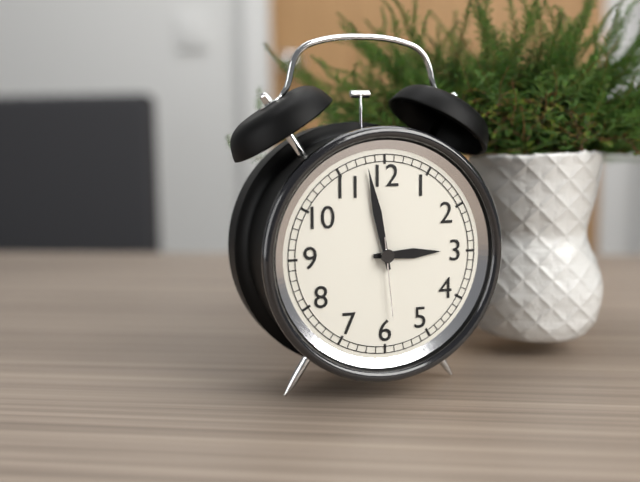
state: 2:58:29
